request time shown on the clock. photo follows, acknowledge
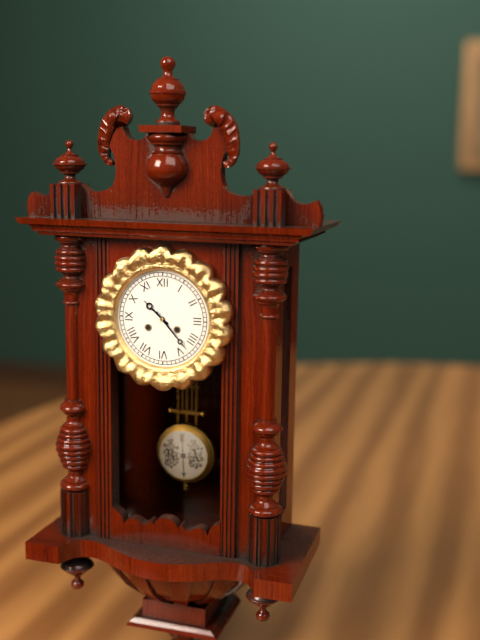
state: 10:23
